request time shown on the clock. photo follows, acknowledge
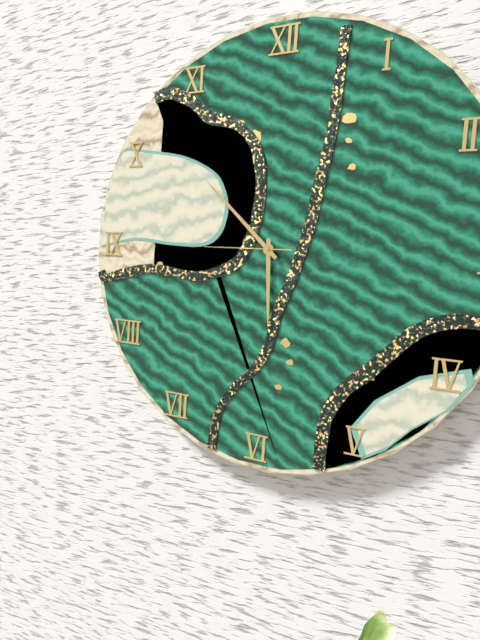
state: 5:52:45
